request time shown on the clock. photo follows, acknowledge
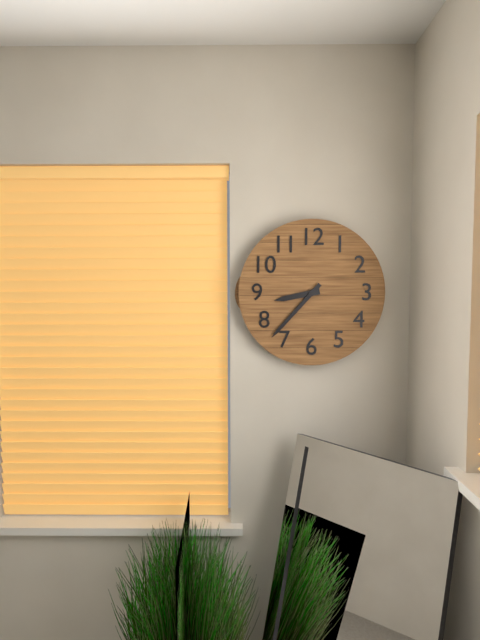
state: 8:37
